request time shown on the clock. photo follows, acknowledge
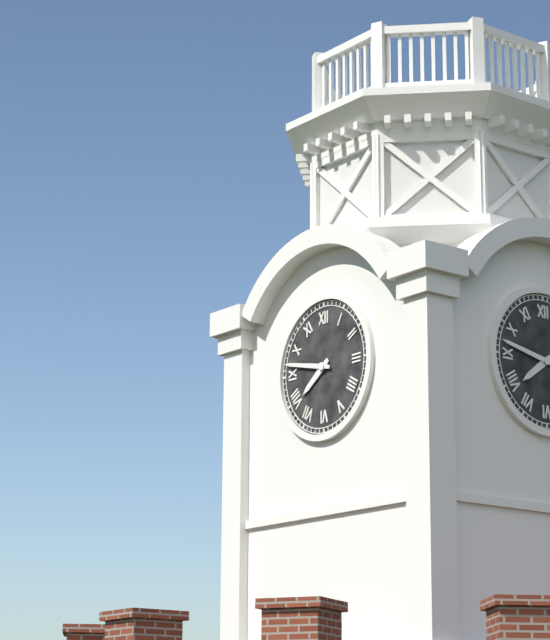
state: 7:47
